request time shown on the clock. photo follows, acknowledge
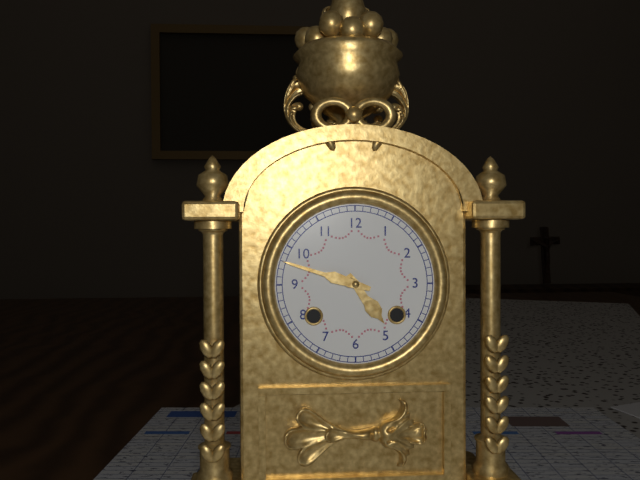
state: 4:48
